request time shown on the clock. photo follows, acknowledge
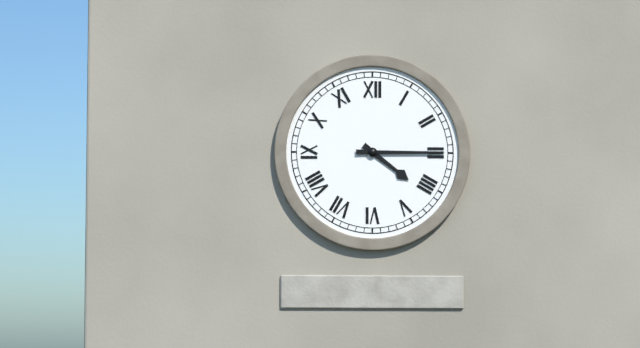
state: 4:15
